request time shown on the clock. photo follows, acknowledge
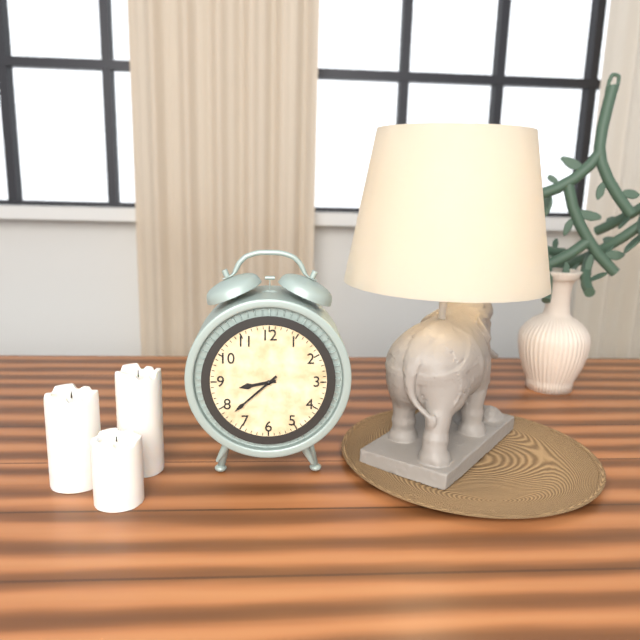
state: 8:38
